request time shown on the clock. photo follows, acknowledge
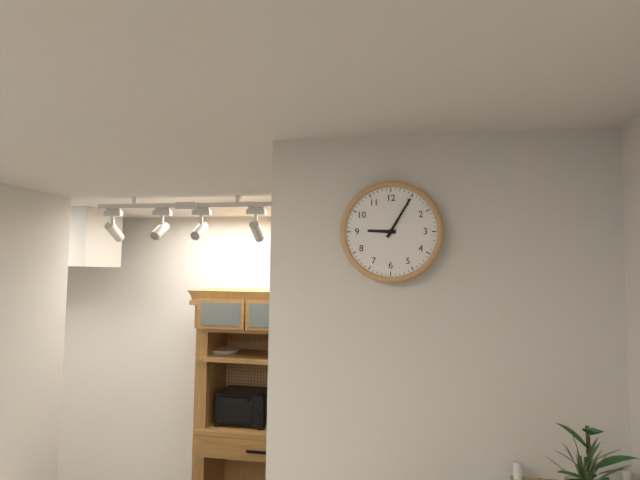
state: 9:05
